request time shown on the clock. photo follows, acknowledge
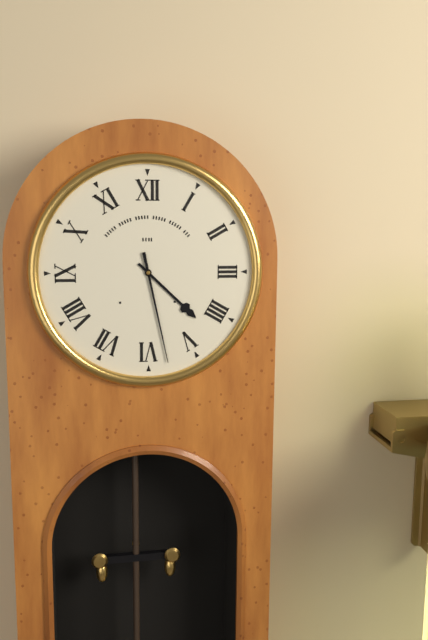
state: 4:28
